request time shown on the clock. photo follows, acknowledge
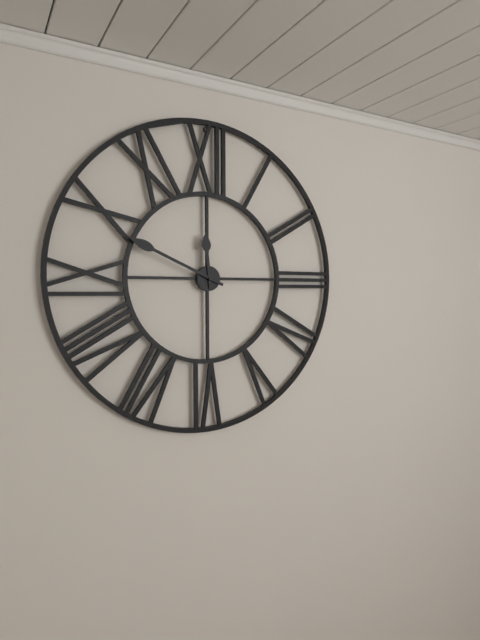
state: 11:49
